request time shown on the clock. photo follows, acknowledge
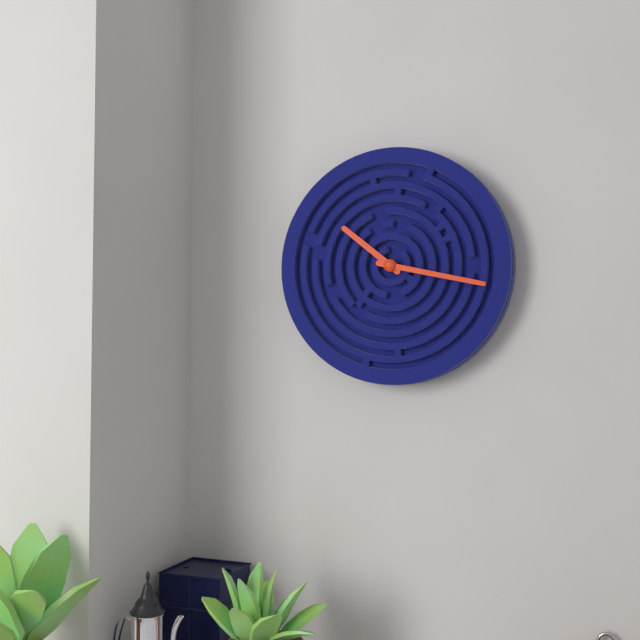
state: 10:17
